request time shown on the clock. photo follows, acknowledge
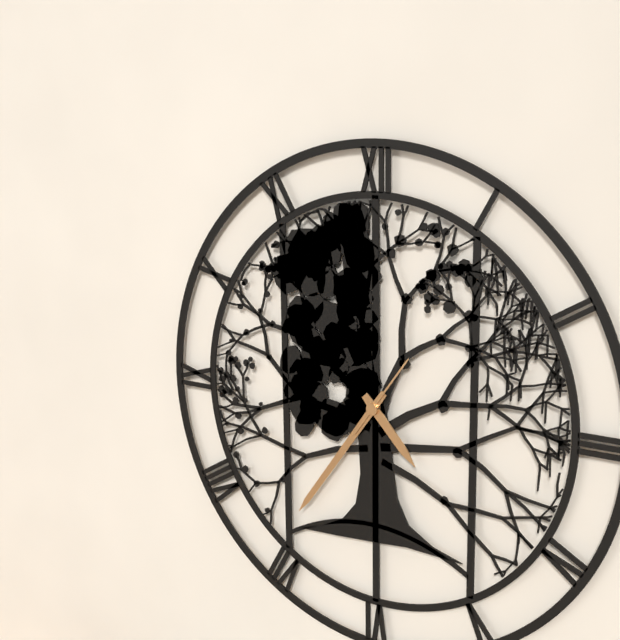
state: 4:36:06
